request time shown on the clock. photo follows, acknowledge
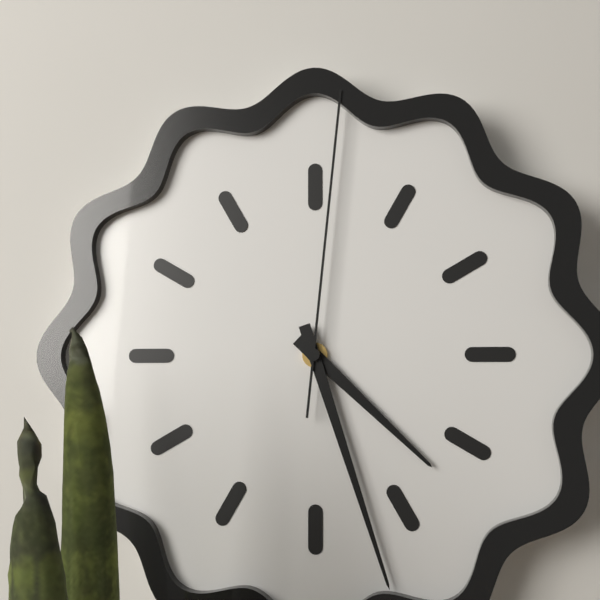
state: 4:27:01
